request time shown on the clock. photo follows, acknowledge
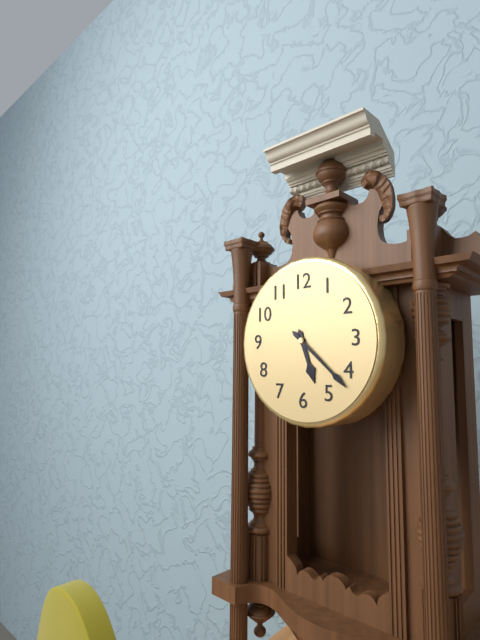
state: 5:22
